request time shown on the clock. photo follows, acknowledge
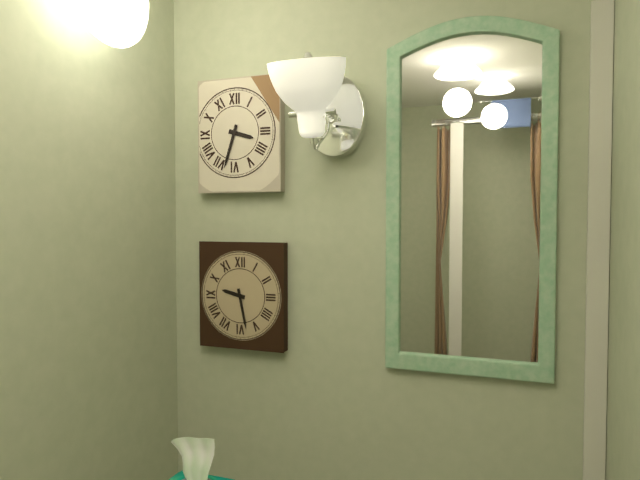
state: 3:33
